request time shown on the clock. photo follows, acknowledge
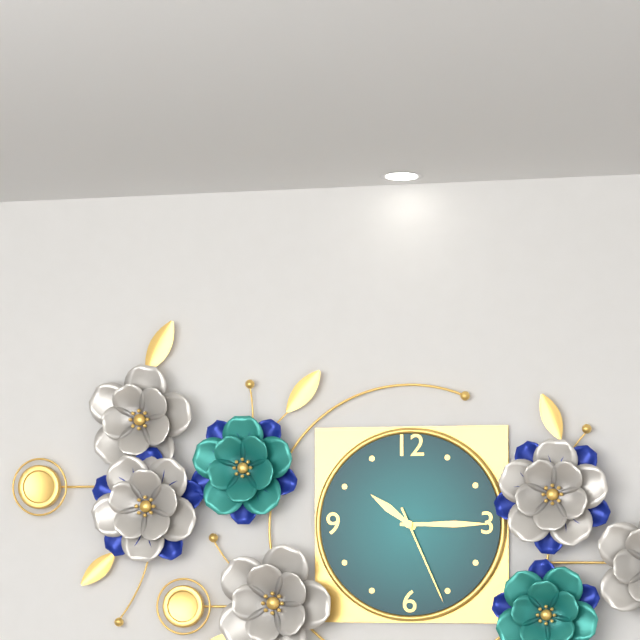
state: 10:15:26
